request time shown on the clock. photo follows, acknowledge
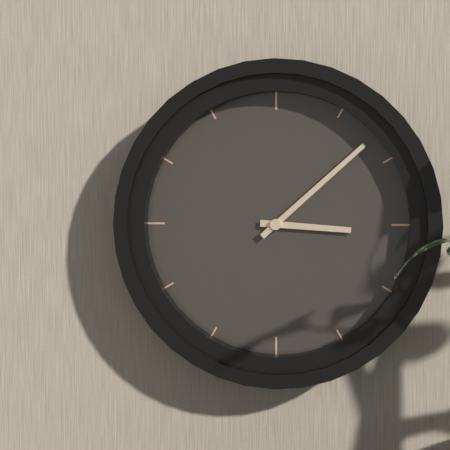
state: 3:08
